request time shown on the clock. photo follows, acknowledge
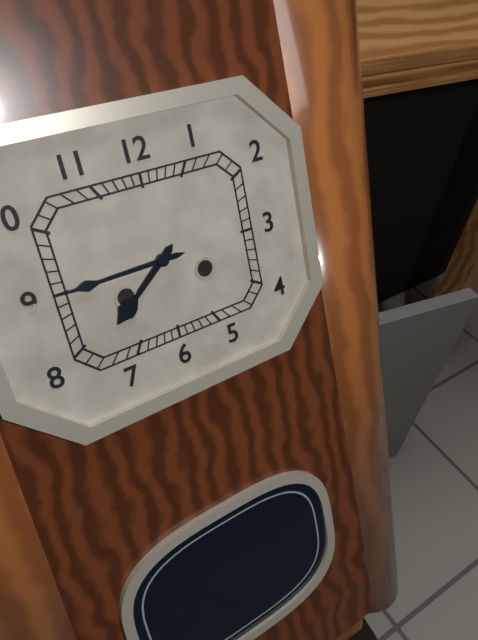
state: 7:45
